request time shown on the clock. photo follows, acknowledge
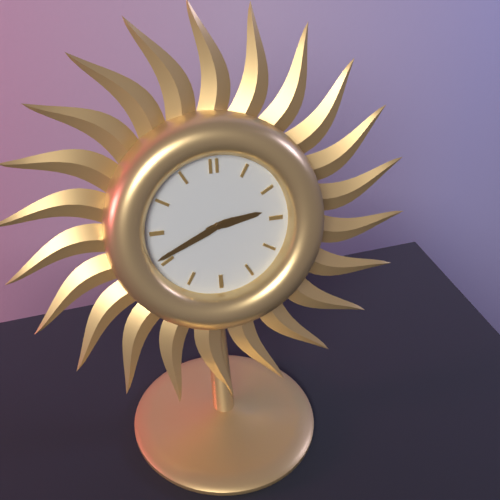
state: 2:41
